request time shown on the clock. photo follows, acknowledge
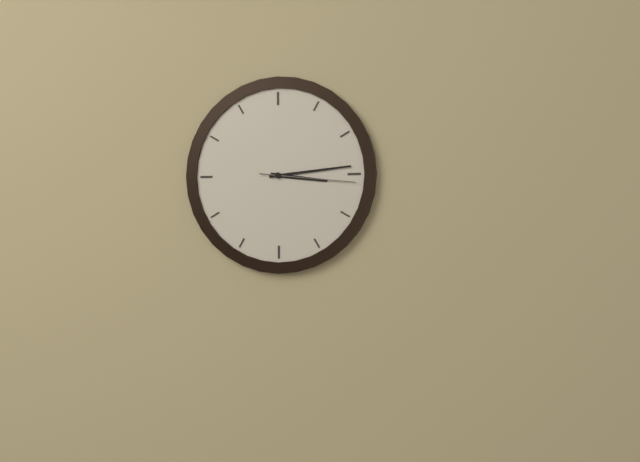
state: 3:14:16
